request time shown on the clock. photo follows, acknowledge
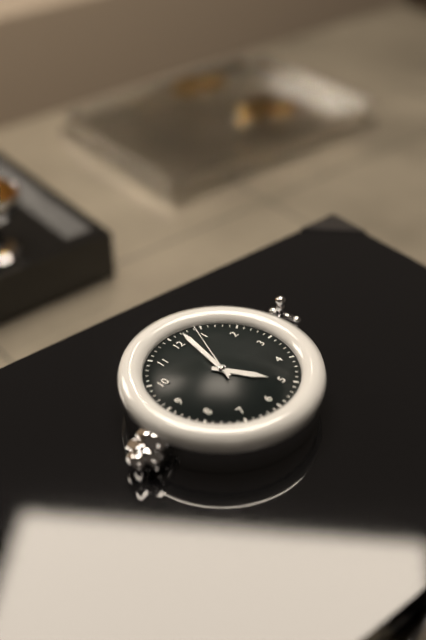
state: 5:02:04
